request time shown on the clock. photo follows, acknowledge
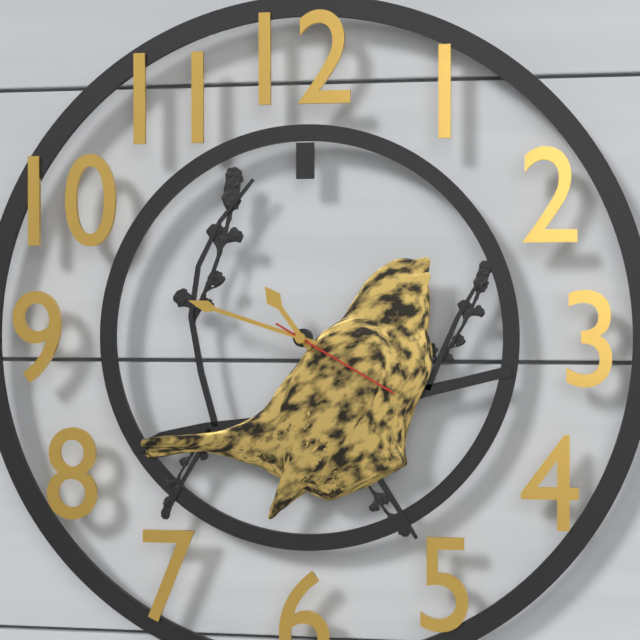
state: 10:48:20
